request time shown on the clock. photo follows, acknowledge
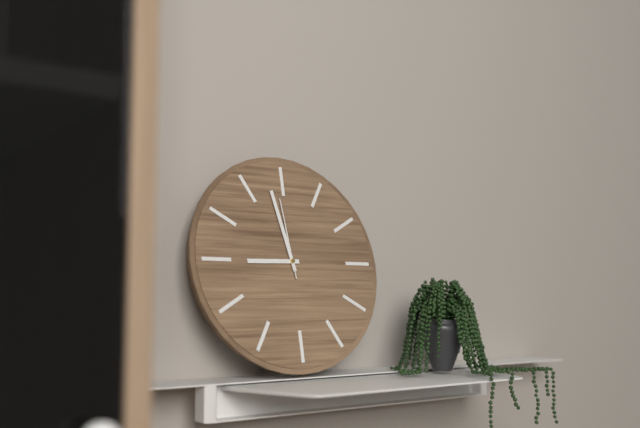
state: 8:58:59
